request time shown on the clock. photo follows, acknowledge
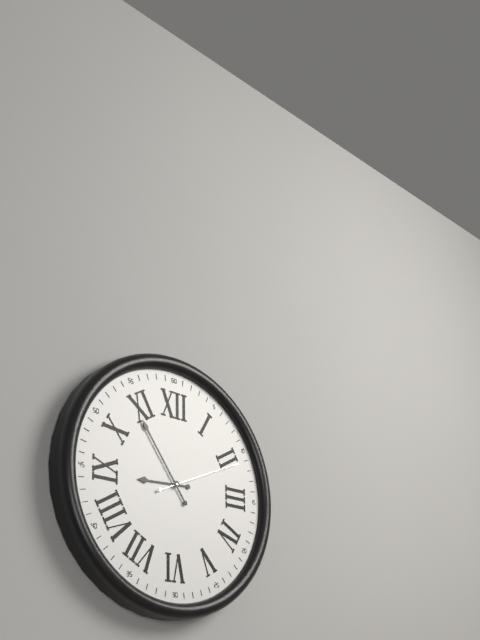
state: 8:54:11
